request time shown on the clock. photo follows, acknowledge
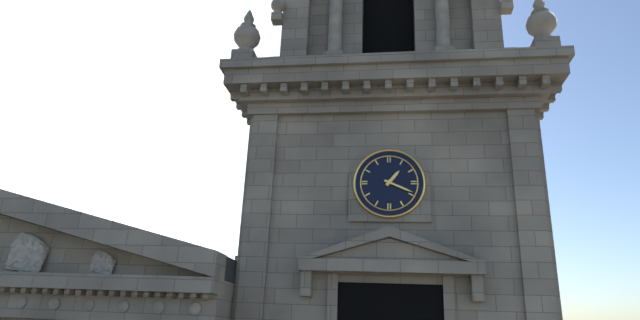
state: 1:19
